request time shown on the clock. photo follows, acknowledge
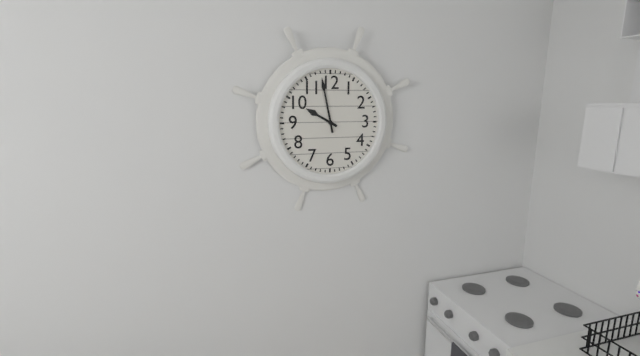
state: 9:58
